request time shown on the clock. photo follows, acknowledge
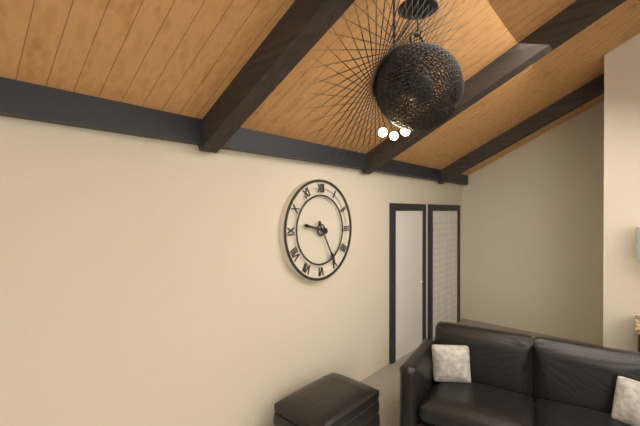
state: 9:25
